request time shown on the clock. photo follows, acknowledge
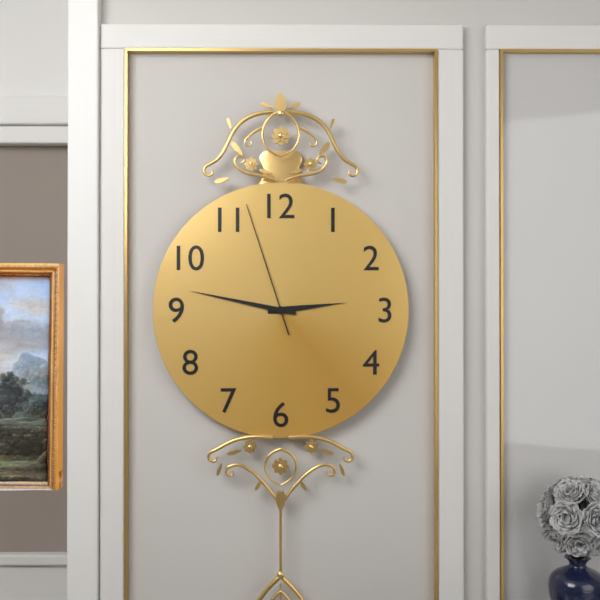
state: 2:47:57
